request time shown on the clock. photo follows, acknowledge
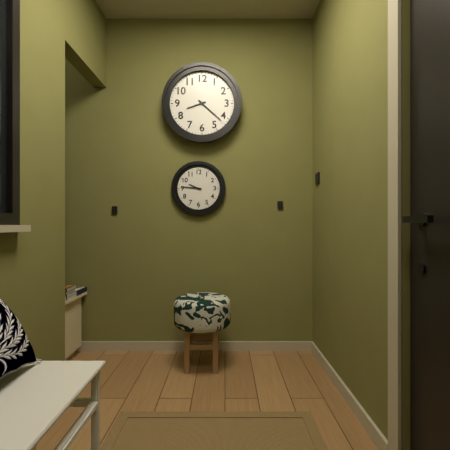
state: 8:22
